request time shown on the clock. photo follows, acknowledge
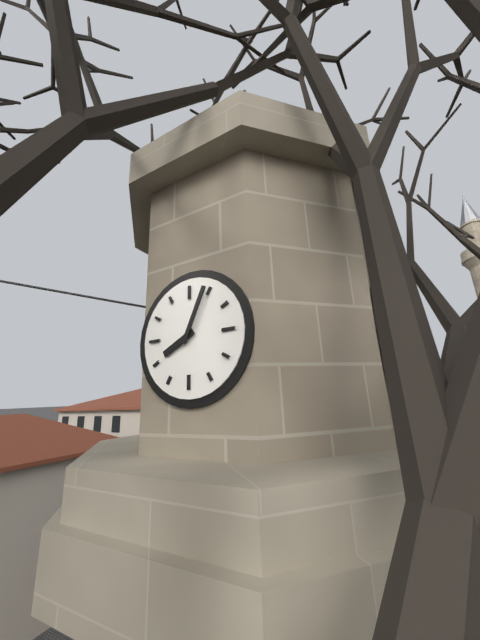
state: 8:04
